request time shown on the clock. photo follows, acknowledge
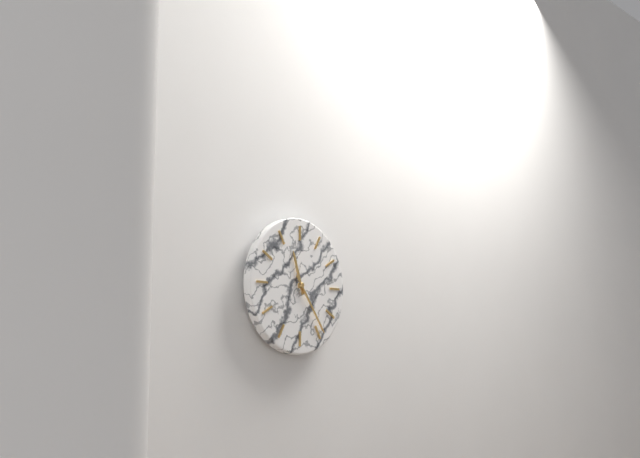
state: 11:24
